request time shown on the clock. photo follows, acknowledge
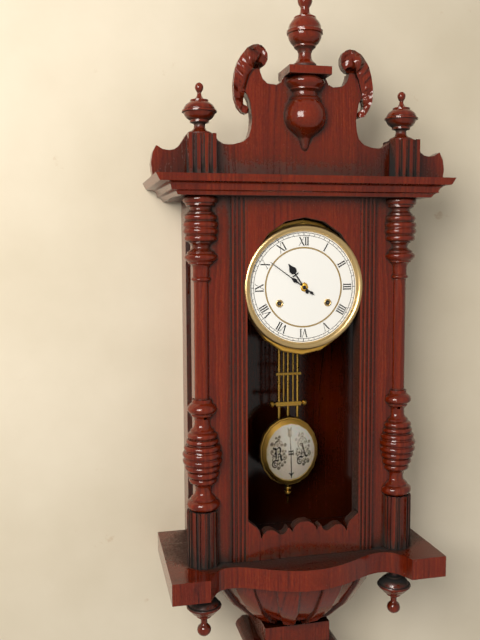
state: 10:51
